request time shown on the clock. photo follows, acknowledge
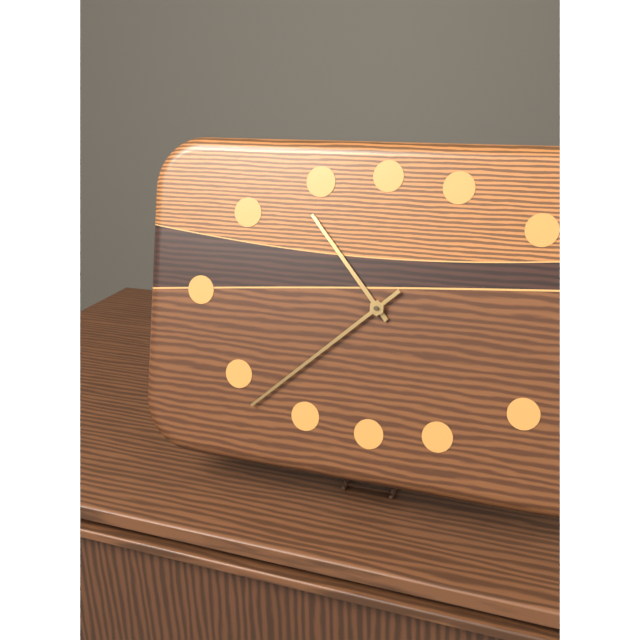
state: 10:38
